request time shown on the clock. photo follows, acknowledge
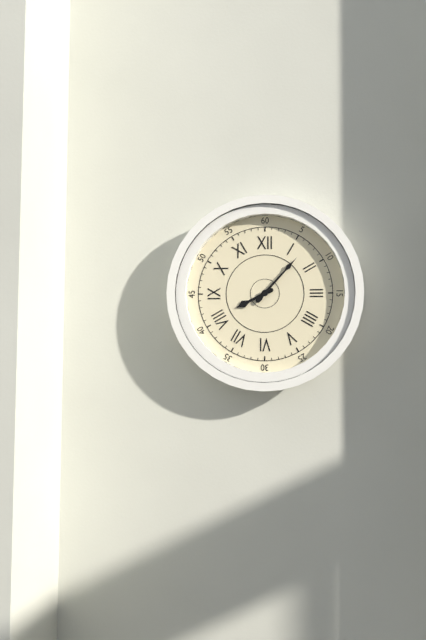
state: 8:07
